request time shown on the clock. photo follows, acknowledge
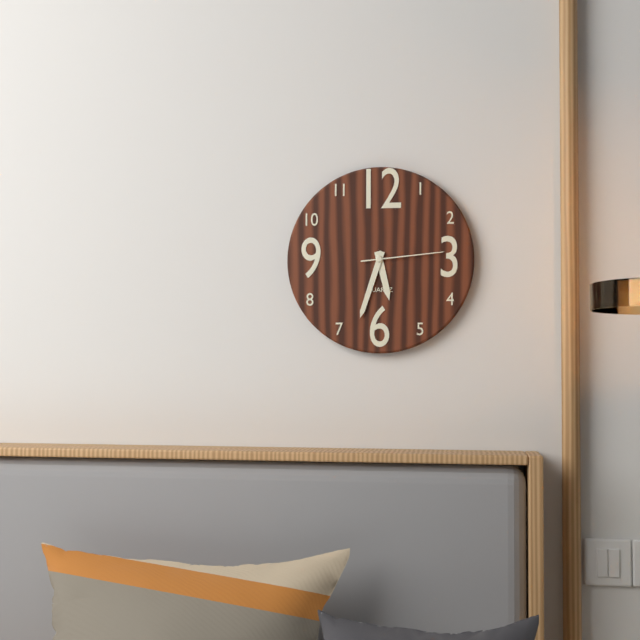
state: 5:33:14
